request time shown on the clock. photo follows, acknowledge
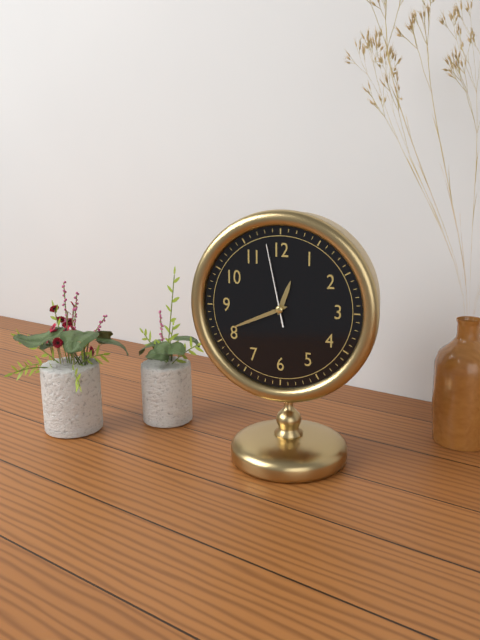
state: 12:41:58
